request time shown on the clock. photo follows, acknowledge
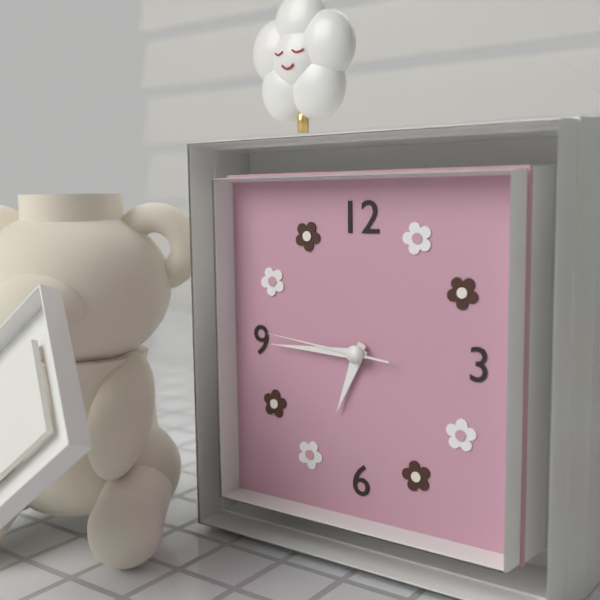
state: 6:45:46
